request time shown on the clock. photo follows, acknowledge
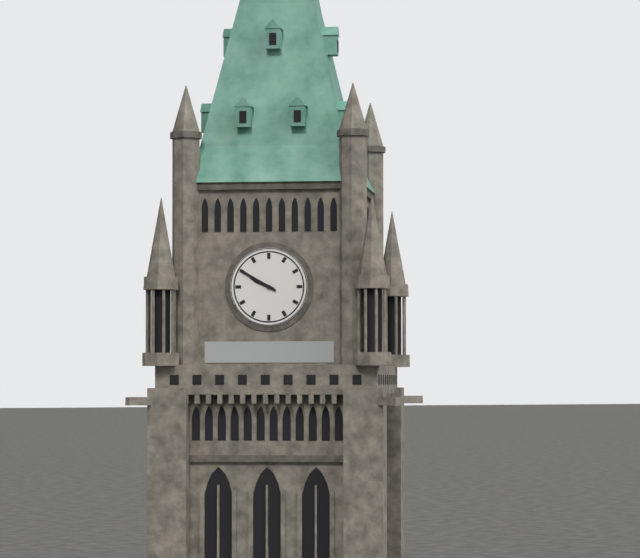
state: 9:50
